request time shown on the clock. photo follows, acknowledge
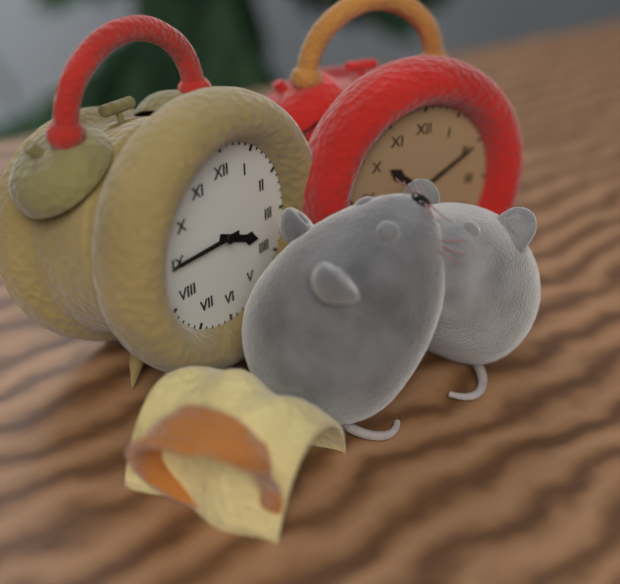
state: 3:45
